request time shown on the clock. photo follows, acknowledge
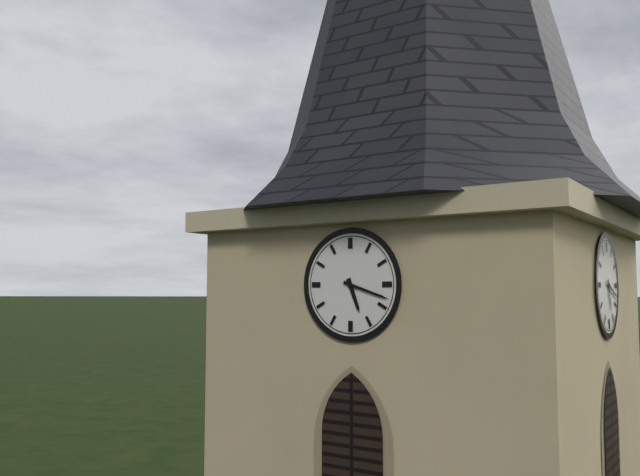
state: 5:18
